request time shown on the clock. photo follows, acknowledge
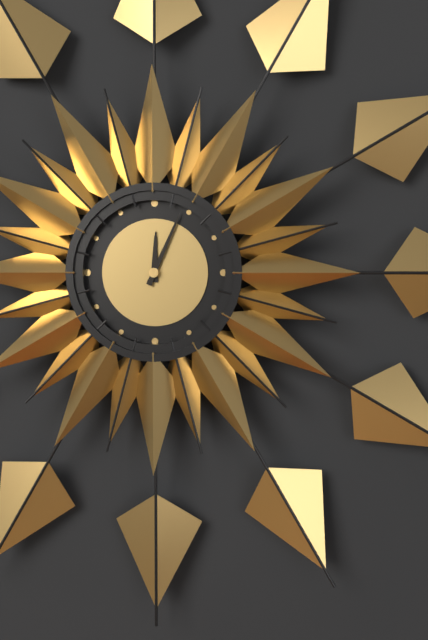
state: 12:04
